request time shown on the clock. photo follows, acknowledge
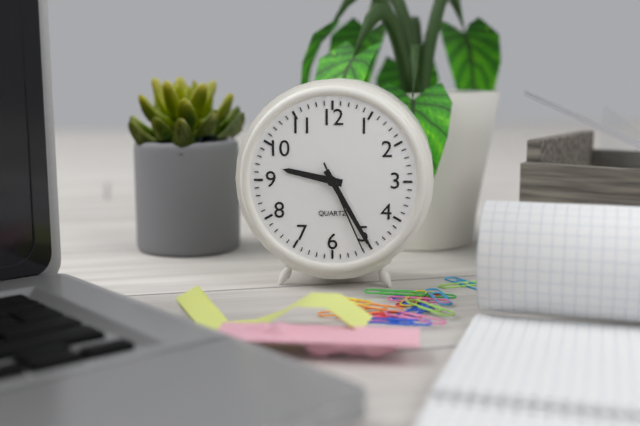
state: 9:25:26
